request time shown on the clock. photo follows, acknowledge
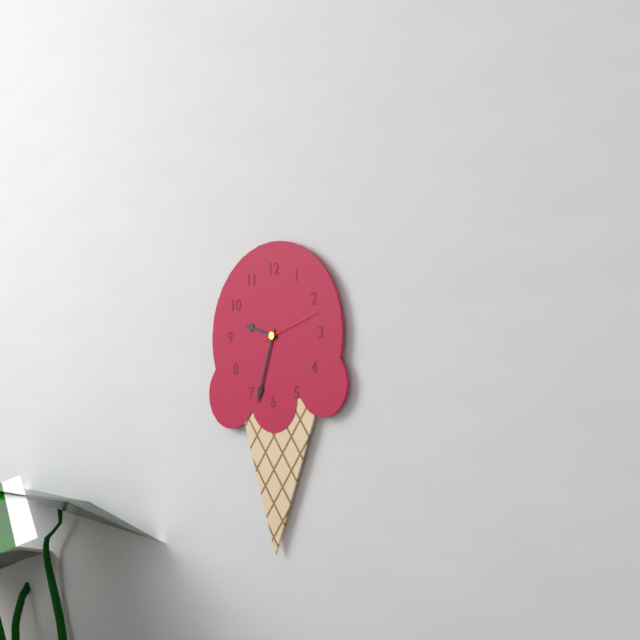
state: 9:33:12
